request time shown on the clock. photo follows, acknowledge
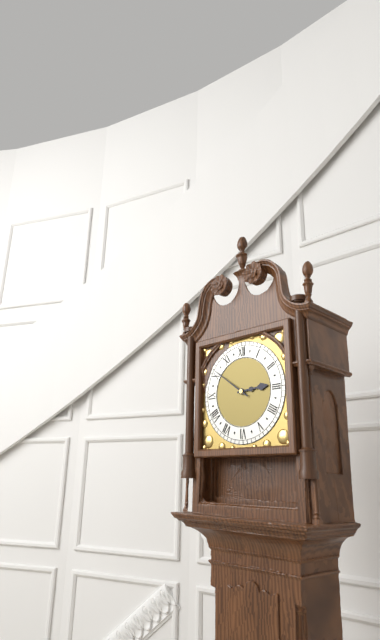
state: 2:51
